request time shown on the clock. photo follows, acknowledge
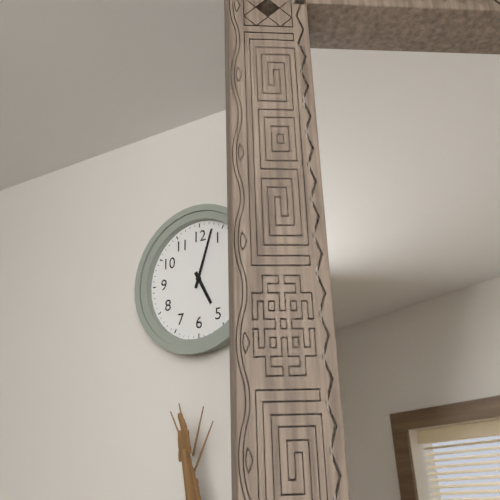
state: 5:03
